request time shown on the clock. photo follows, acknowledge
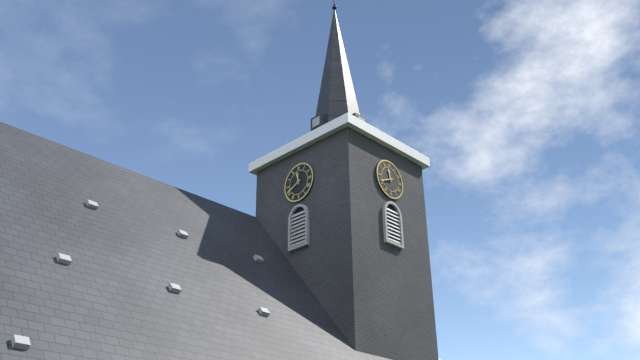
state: 11:41
